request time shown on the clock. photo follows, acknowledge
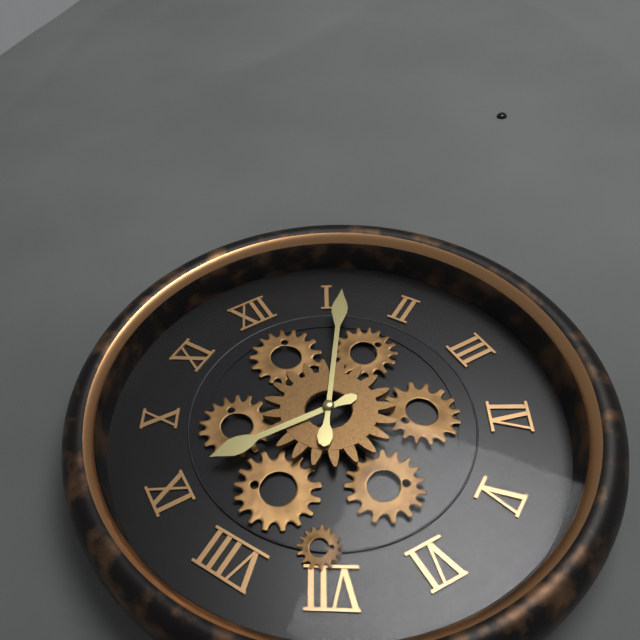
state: 9:06
